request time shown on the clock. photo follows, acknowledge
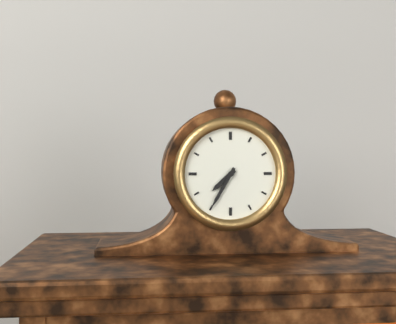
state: 7:35
